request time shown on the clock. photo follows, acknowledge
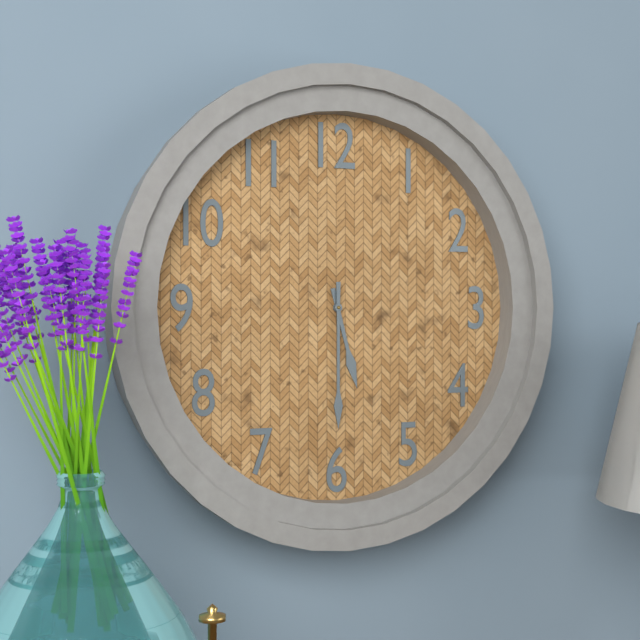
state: 5:30
